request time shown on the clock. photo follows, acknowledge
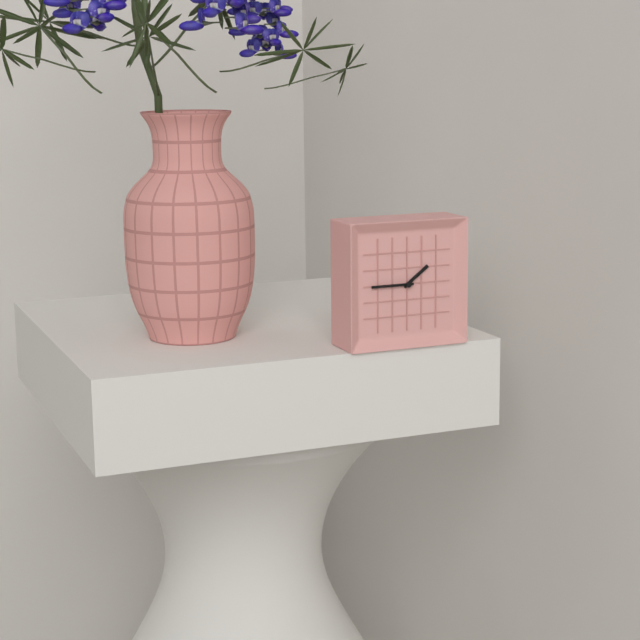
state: 1:45
